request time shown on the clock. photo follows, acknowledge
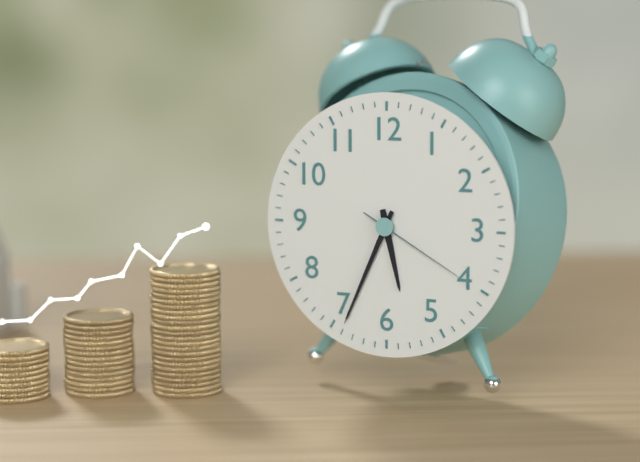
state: 5:34:20
